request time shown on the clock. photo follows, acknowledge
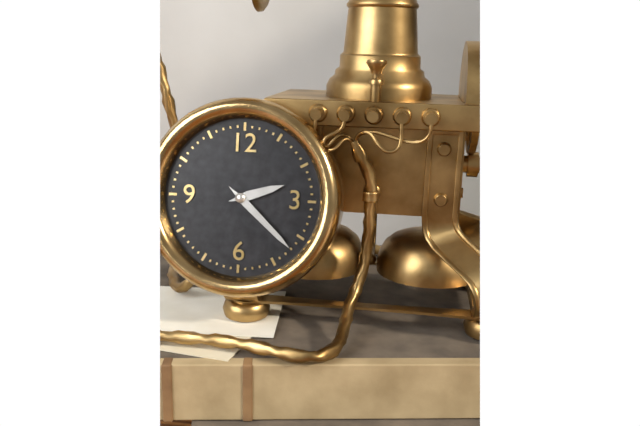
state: 2:22
